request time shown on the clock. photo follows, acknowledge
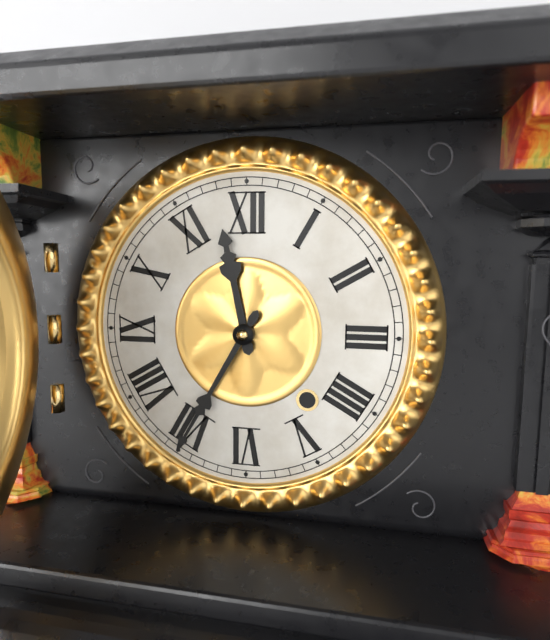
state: 11:35
